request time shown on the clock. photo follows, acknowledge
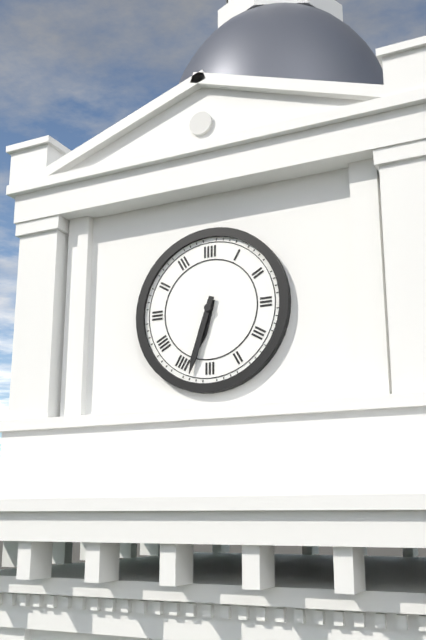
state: 6:33
